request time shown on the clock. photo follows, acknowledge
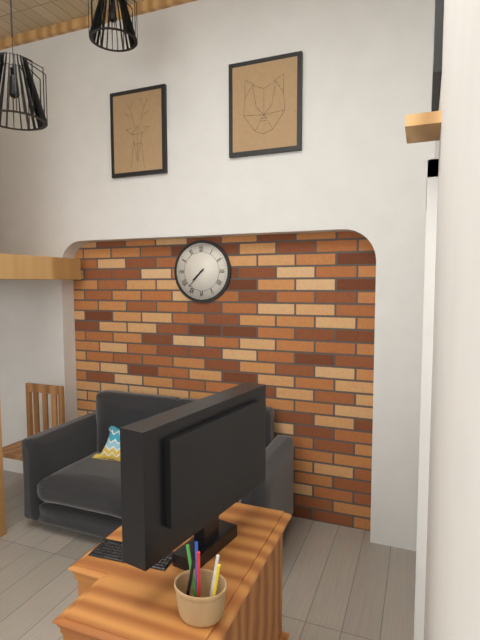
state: 7:37
